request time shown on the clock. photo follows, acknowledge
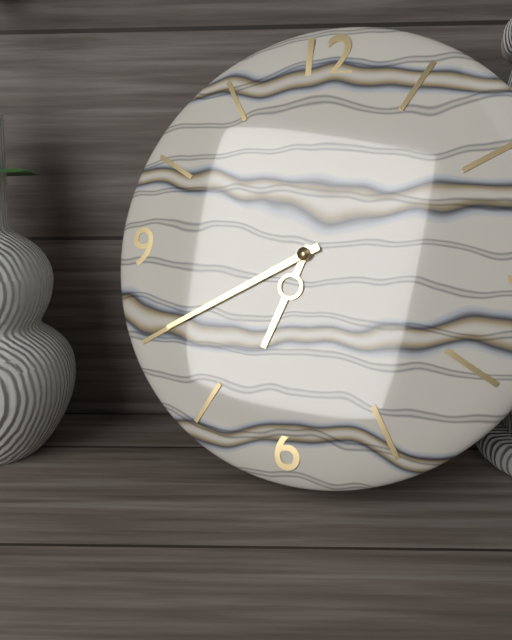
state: 6:40
